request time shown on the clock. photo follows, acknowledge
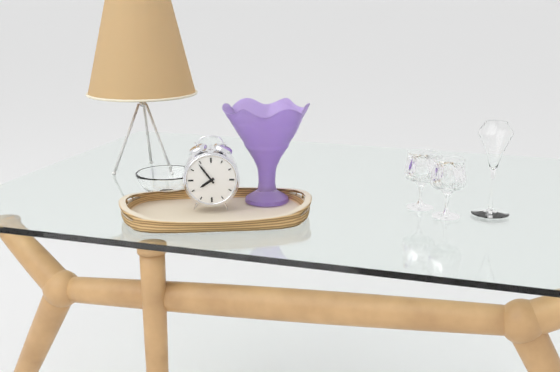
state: 7:54
